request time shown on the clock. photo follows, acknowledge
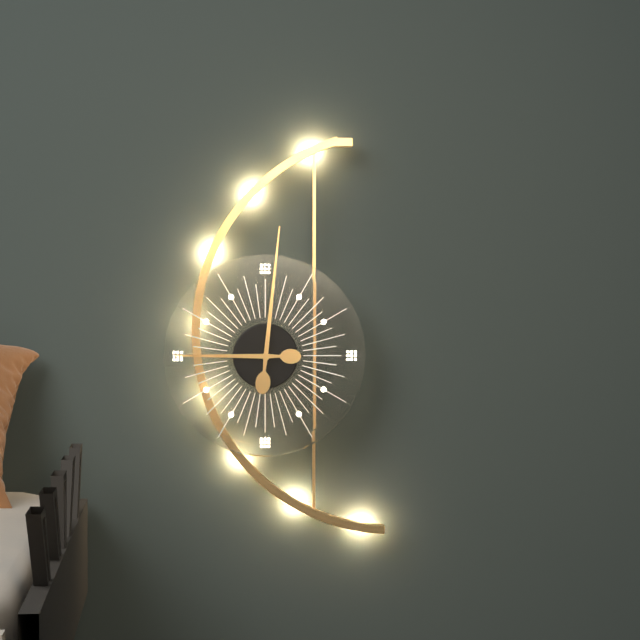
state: 9:01
